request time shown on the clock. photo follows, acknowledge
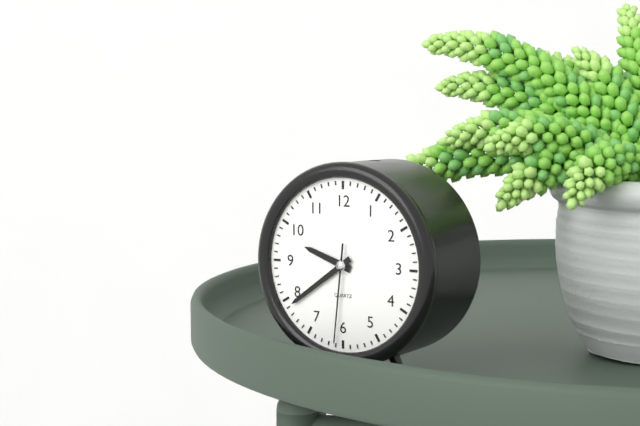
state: 9:39:31
